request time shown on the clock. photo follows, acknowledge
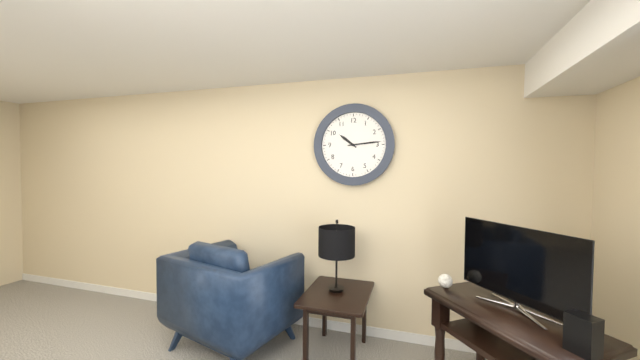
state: 10:14
